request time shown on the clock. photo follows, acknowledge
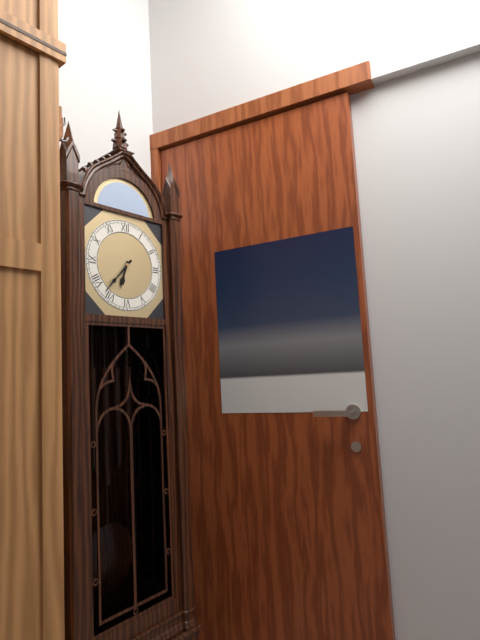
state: 6:37
